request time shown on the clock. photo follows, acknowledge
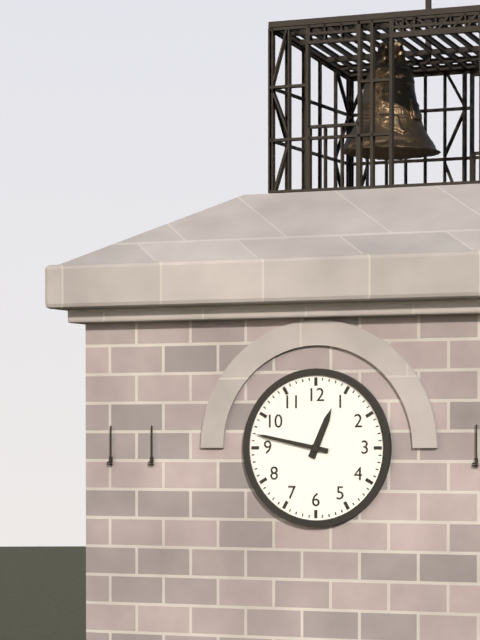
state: 12:47
